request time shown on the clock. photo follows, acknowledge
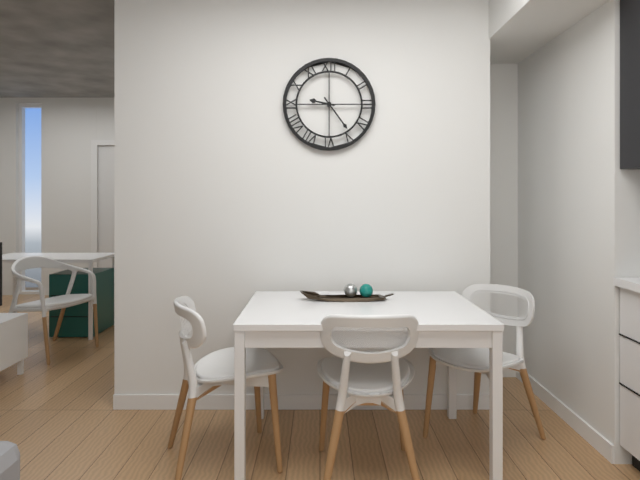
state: 9:24
